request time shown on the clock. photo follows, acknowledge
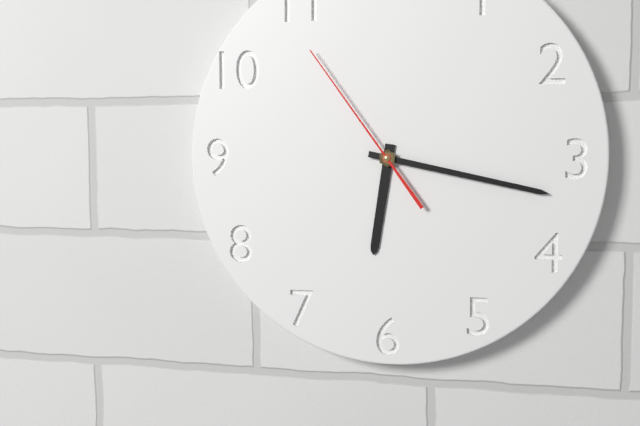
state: 6:17:54
